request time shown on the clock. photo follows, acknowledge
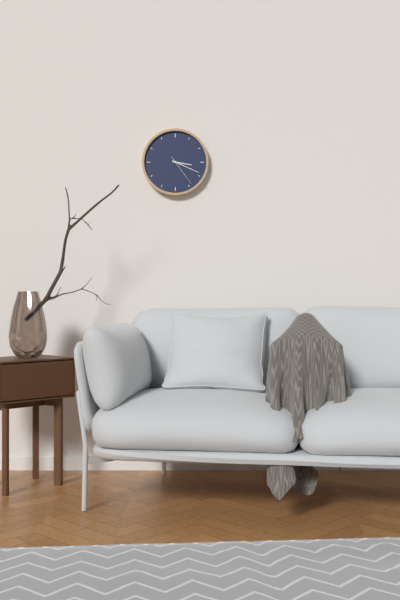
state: 3:19
